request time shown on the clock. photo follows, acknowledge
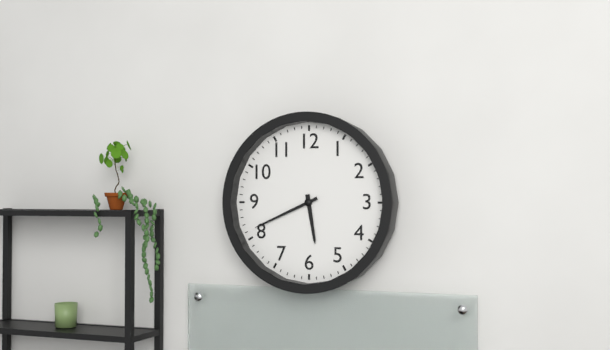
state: 5:41
